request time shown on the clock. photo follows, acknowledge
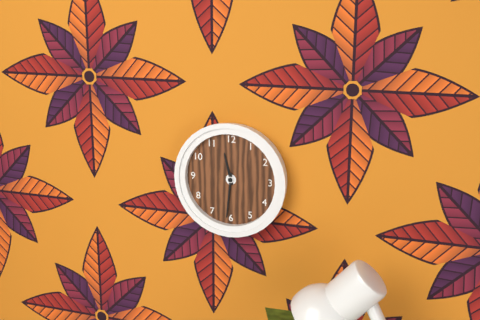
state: 11:31
